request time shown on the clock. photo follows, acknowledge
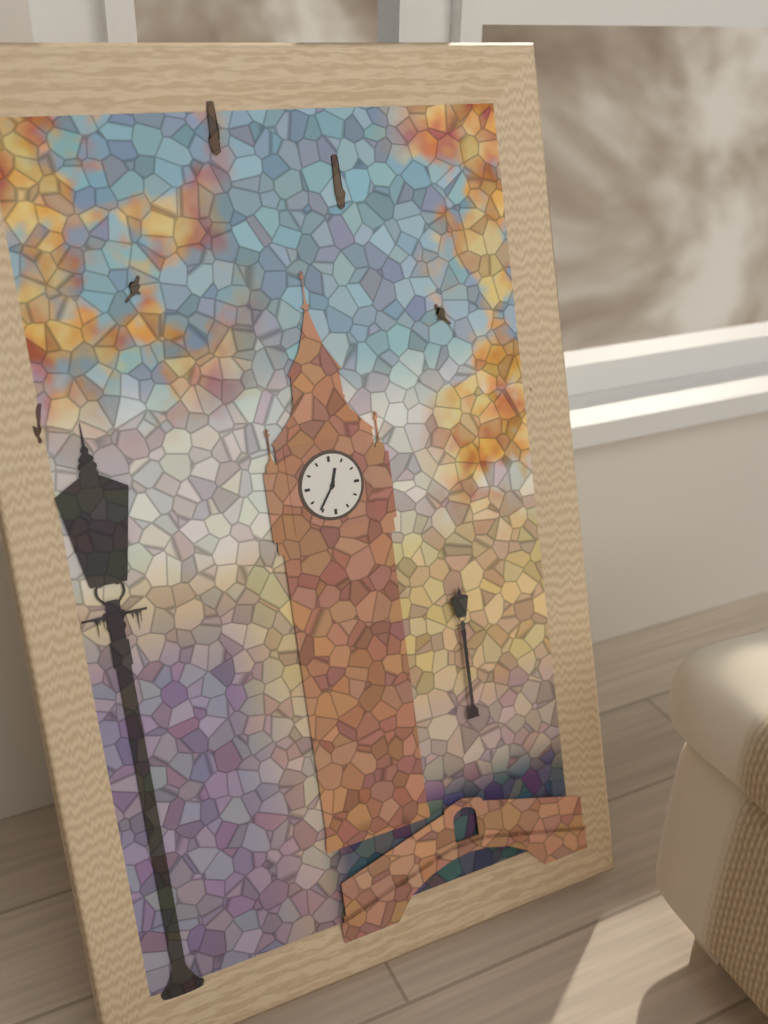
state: 12:36
